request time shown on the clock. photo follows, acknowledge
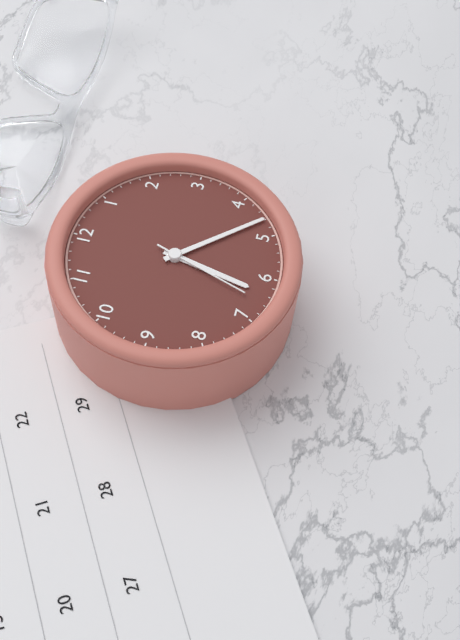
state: 6:23:33
